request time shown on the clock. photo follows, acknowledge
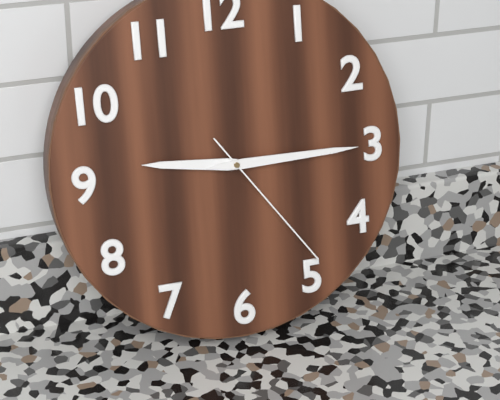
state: 9:15:24
